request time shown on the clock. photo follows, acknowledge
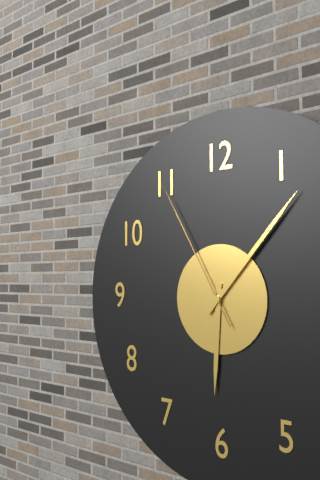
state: 6:07:55
